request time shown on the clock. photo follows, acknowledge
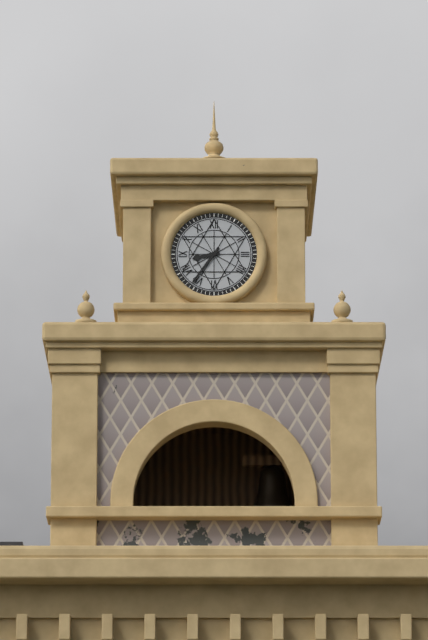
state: 8:36
